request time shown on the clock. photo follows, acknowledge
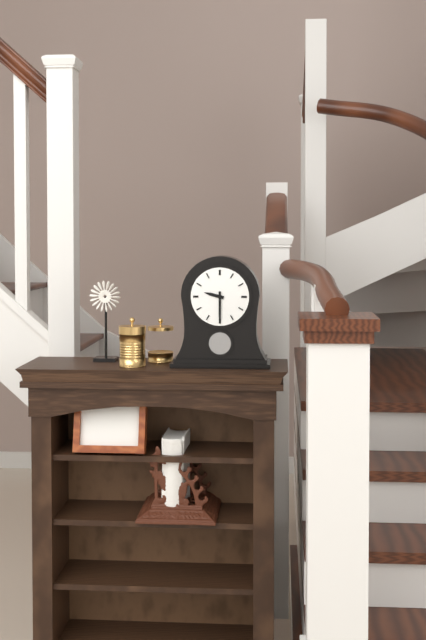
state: 9:30
